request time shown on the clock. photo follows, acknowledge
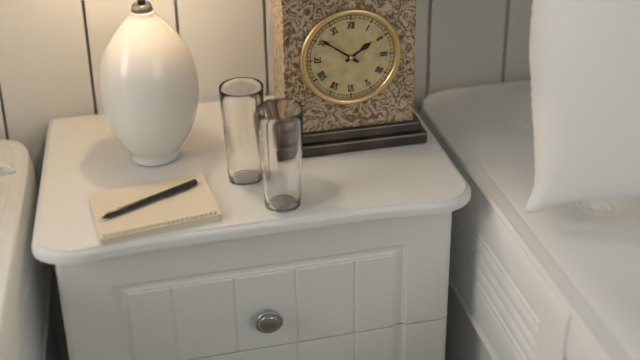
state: 1:51
